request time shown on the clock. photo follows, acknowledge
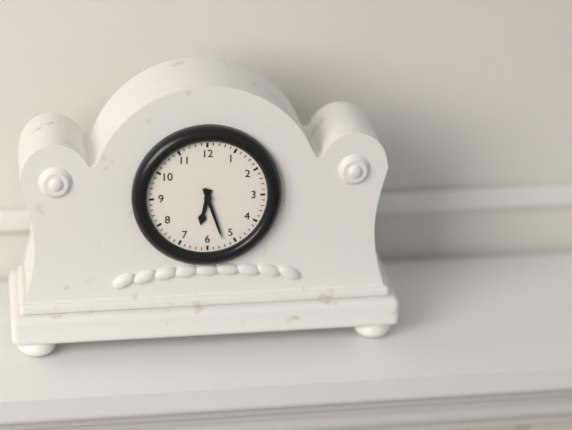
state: 6:27
